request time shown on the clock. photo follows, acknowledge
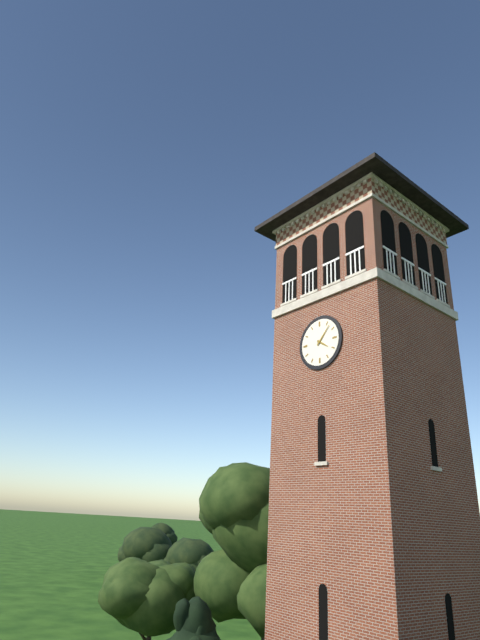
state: 4:07
